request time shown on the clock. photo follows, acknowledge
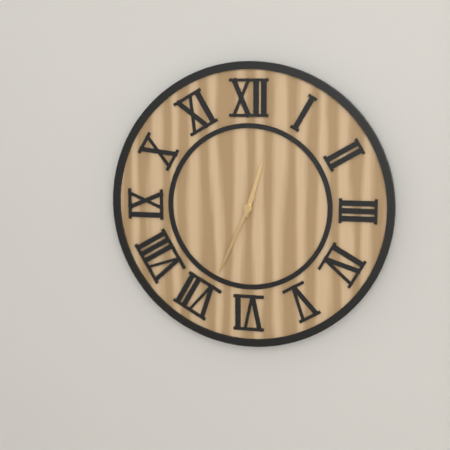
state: 12:34
